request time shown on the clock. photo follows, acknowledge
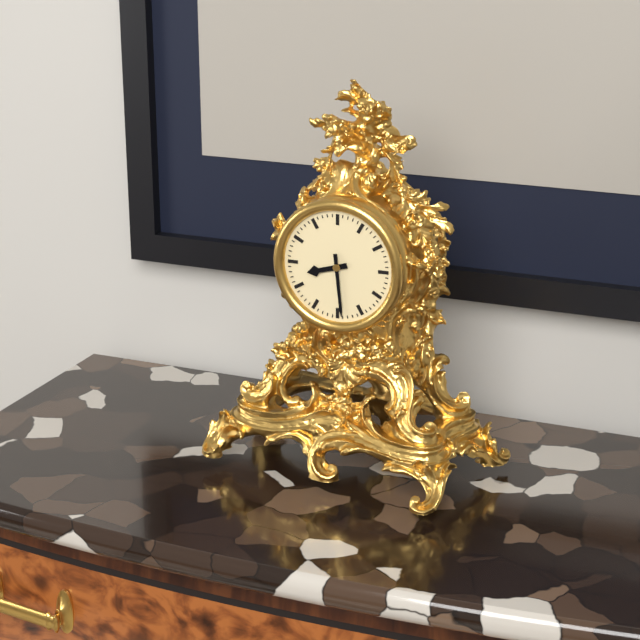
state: 8:29
